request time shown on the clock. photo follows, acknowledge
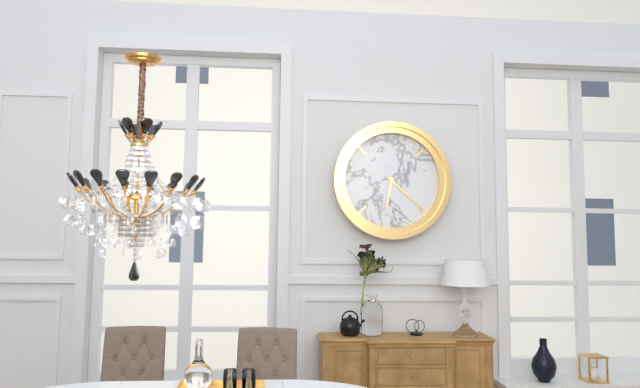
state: 6:22
